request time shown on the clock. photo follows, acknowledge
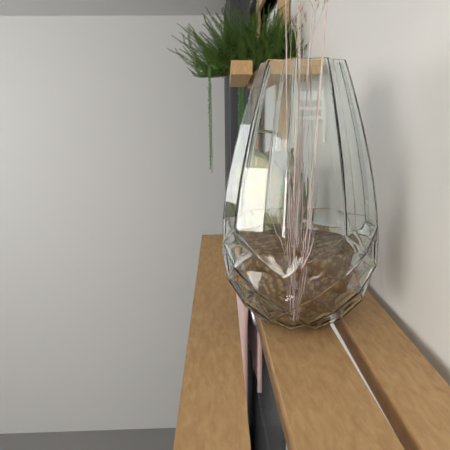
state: 1:46
